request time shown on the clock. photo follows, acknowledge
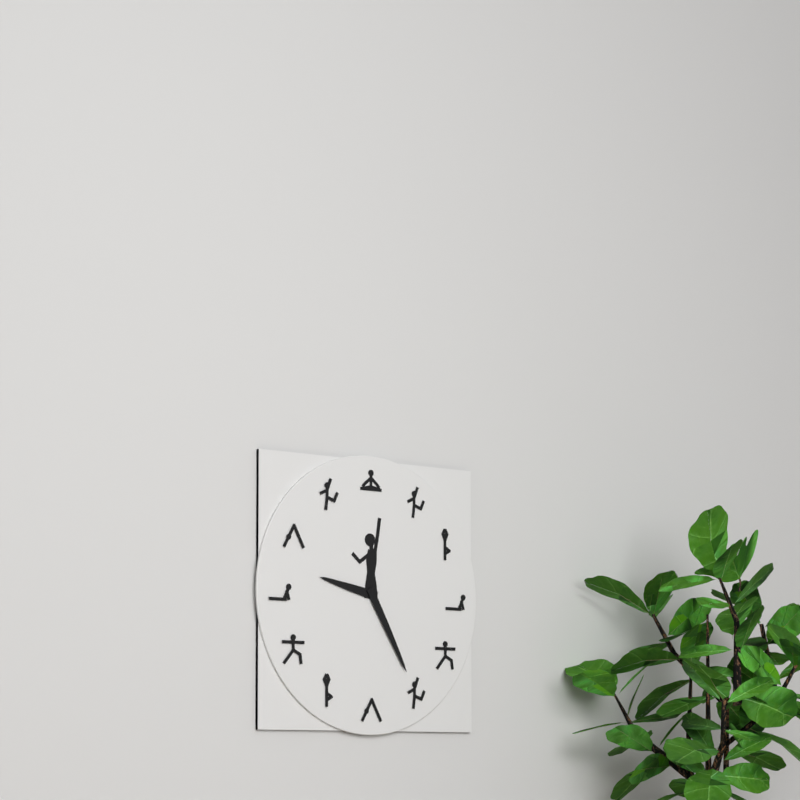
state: 9:25
